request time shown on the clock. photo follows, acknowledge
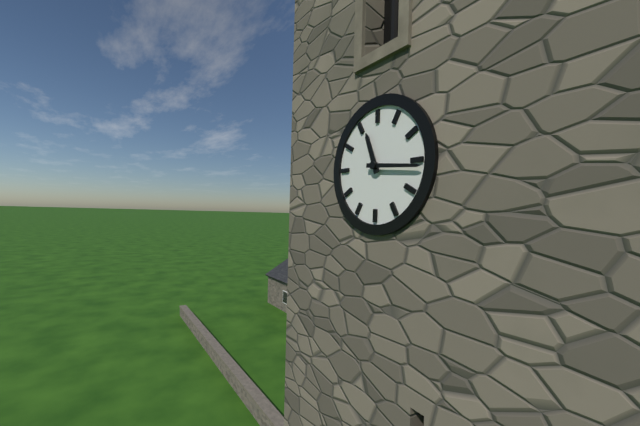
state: 11:16
